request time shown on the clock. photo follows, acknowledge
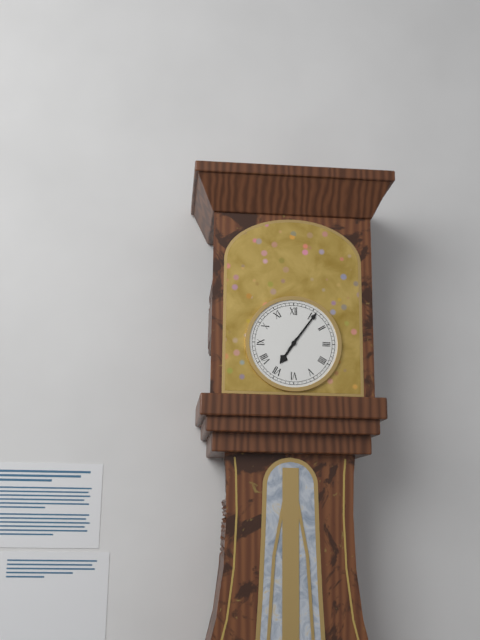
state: 7:06
